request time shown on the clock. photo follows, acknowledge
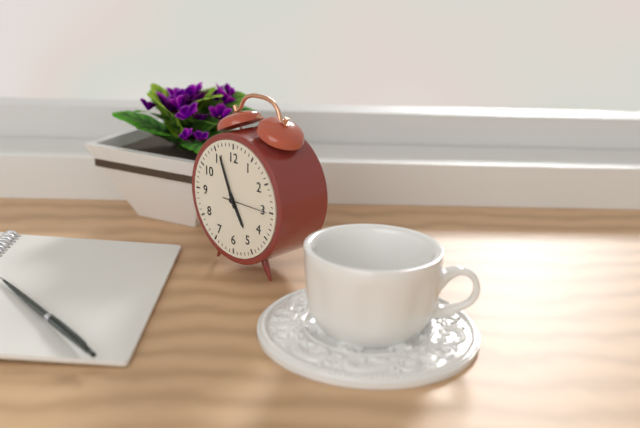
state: 4:56
